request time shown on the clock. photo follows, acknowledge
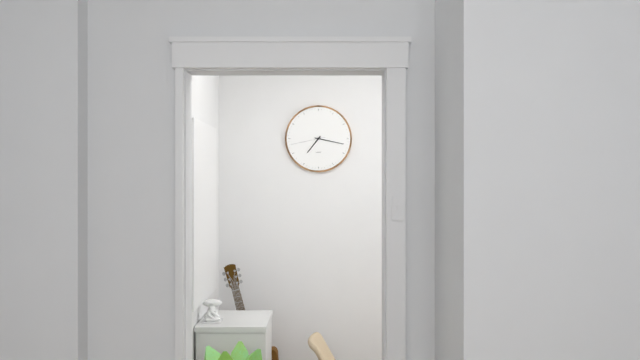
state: 7:17
